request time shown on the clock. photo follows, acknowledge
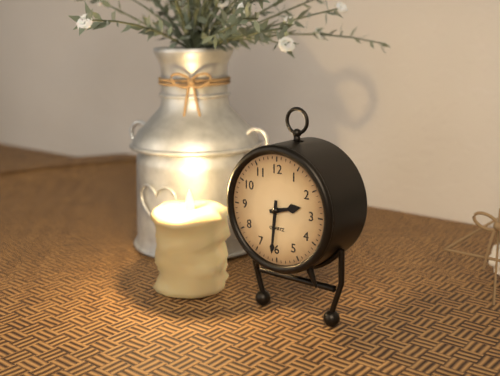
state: 2:31
